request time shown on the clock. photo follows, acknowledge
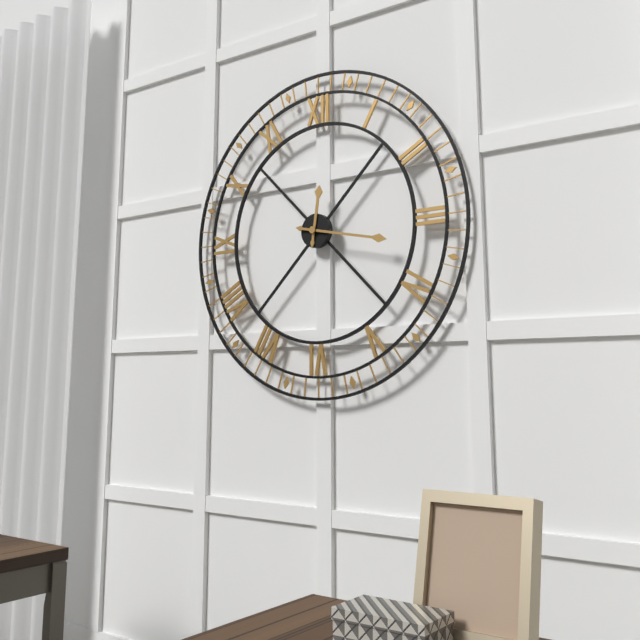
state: 12:17
